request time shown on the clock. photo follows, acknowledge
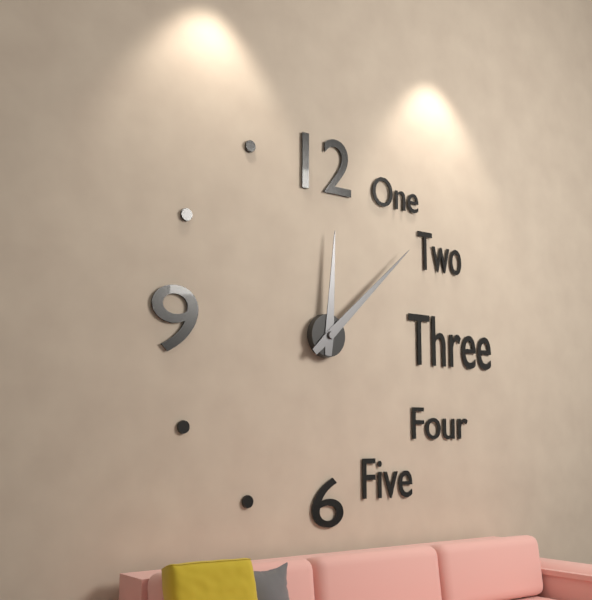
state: 12:08
